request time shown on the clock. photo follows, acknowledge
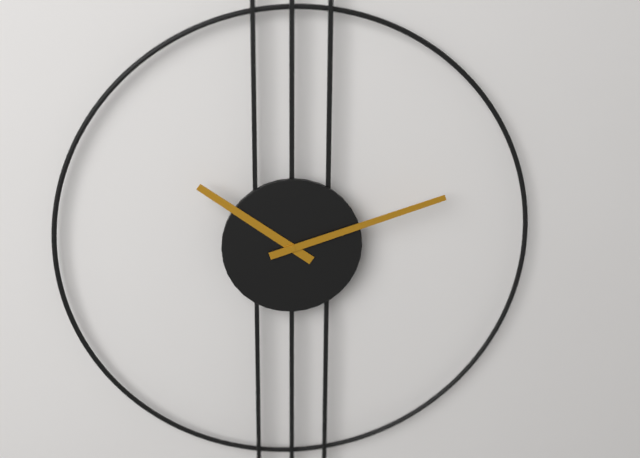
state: 10:12
